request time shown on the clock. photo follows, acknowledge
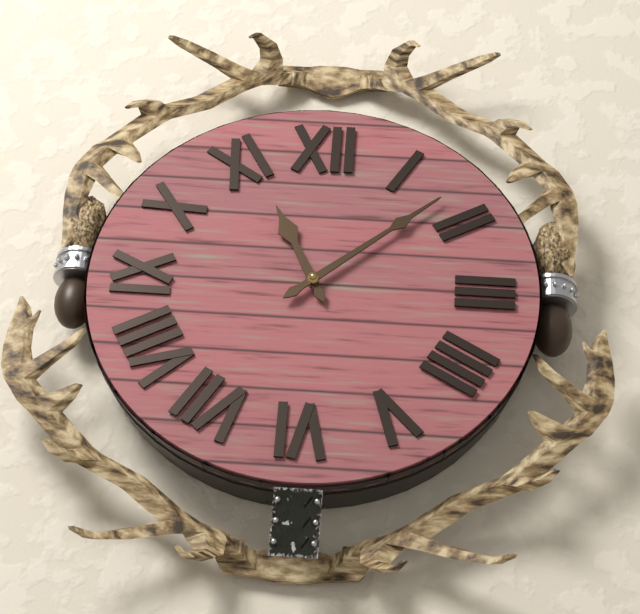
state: 11:08
